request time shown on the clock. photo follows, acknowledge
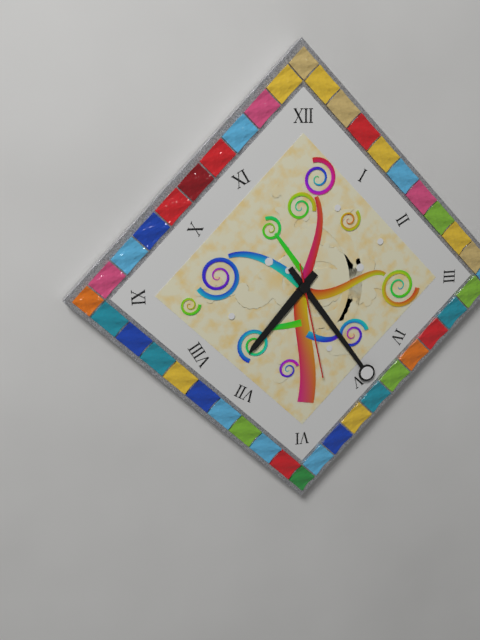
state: 7:24:28
